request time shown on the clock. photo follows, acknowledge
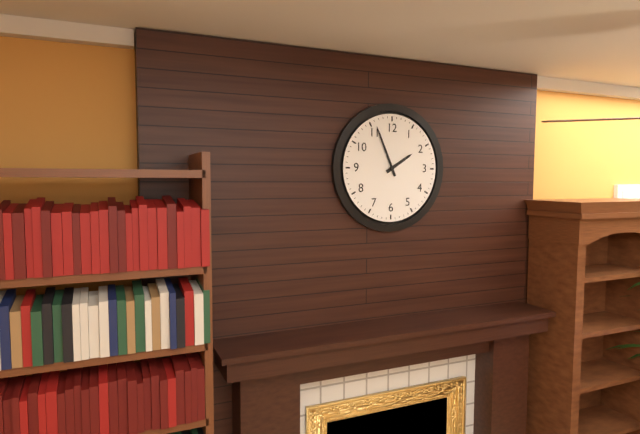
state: 1:56
